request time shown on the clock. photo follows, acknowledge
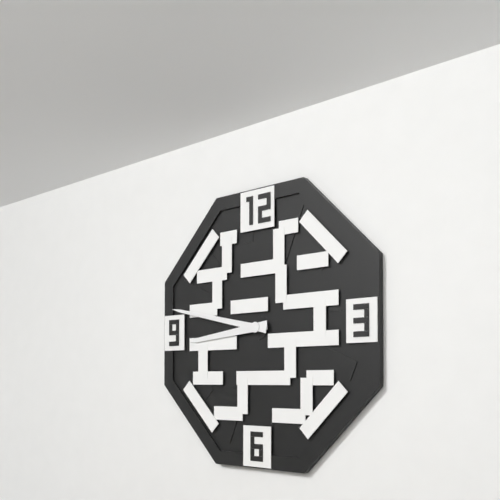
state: 8:47
